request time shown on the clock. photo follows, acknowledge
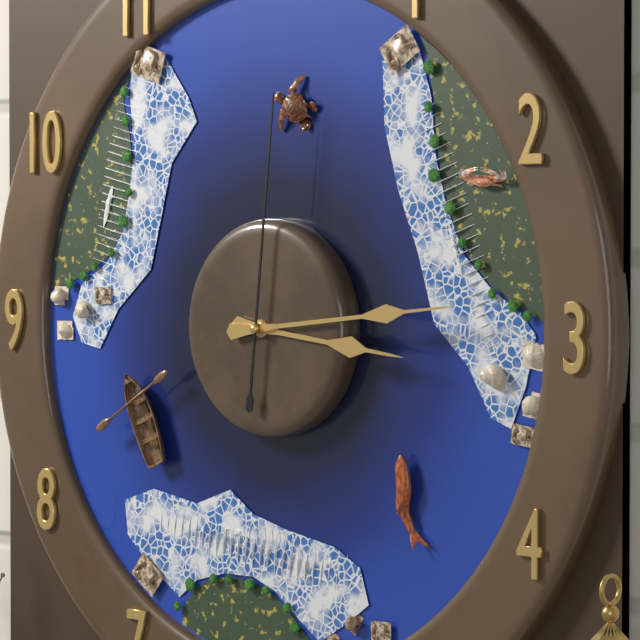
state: 3:14:01
